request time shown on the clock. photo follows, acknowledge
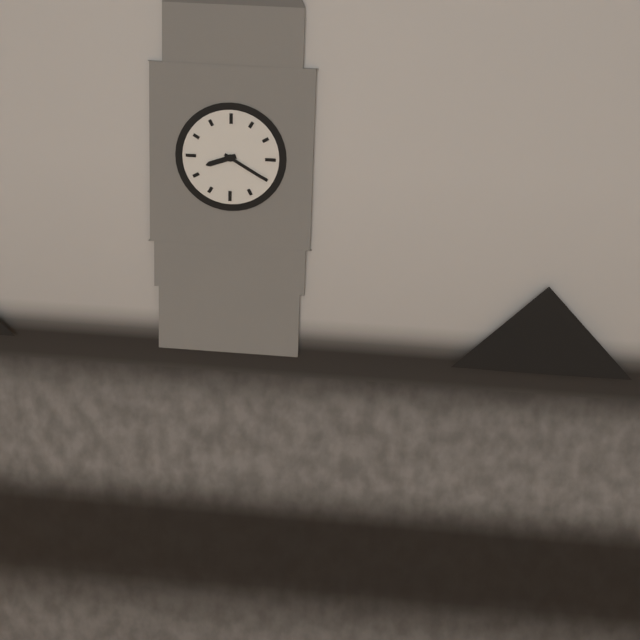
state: 8:20
